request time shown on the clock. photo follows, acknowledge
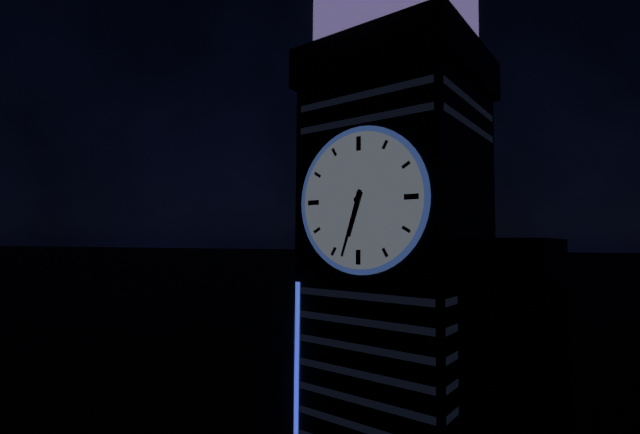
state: 6:33
